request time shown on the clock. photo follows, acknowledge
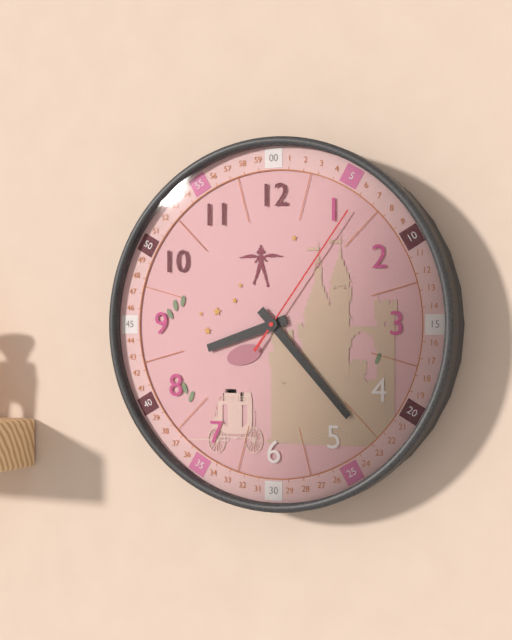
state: 8:23:06
